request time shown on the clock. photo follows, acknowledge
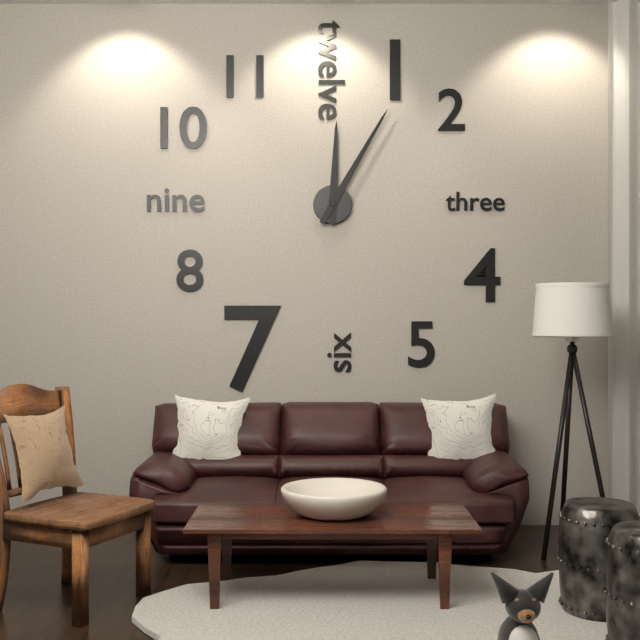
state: 12:05
